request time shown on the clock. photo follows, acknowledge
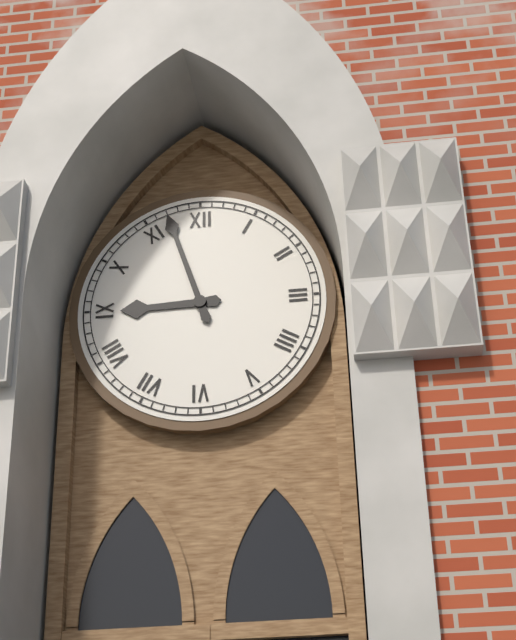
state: 8:57
